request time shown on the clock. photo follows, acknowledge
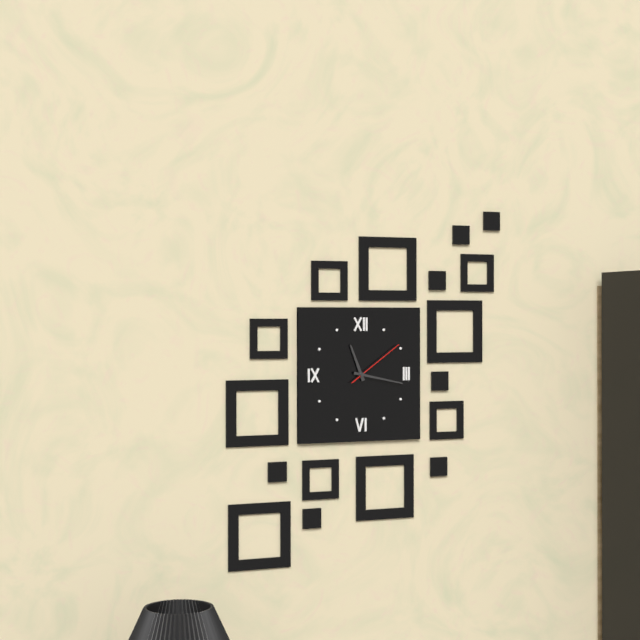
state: 11:17:09
